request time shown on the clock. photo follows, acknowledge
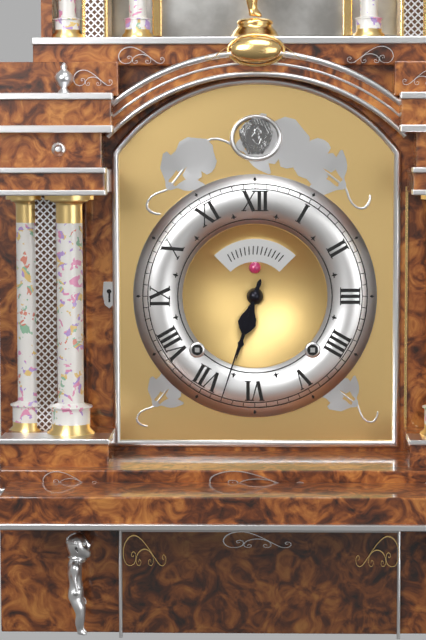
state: 6:33
